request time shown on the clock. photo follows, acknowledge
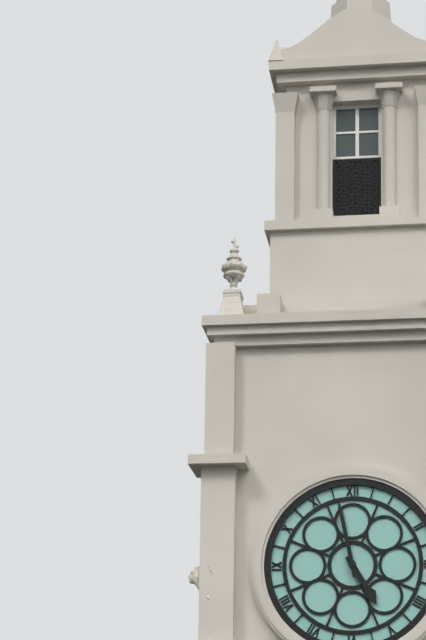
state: 4:58
